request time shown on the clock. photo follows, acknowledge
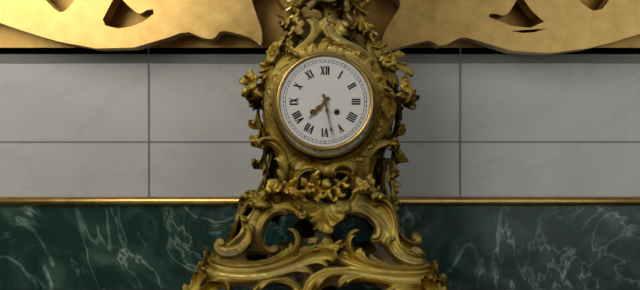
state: 7:28
